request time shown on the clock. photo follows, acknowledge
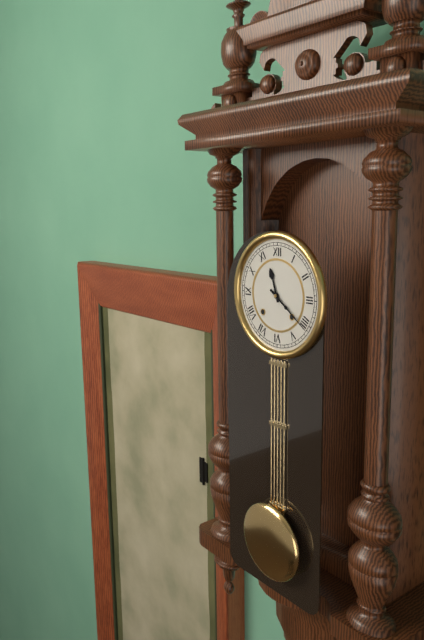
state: 11:21
